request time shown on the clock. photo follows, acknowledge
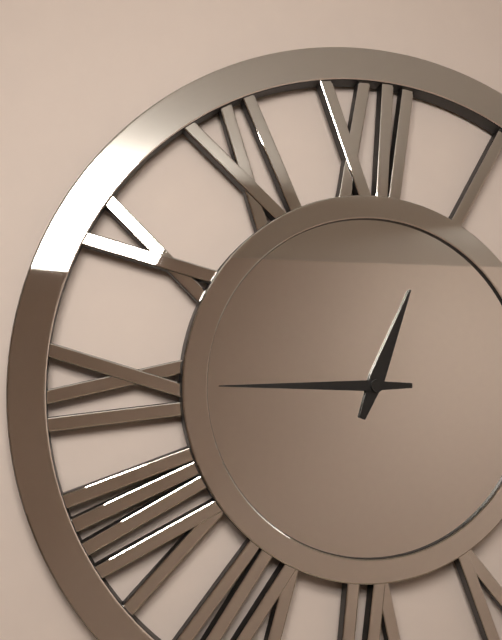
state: 12:45
